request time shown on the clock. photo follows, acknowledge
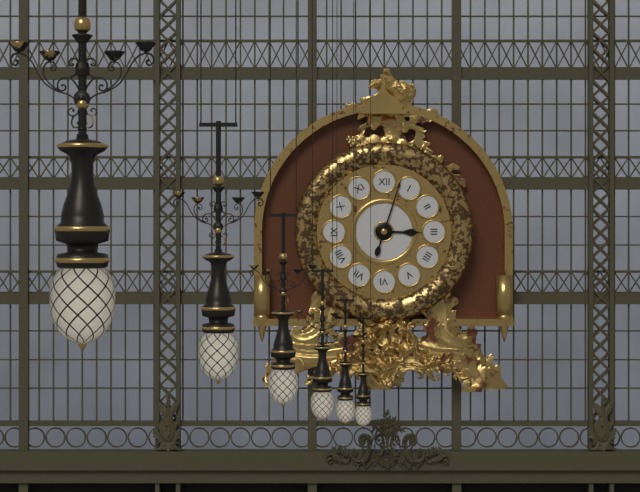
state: 3:03
